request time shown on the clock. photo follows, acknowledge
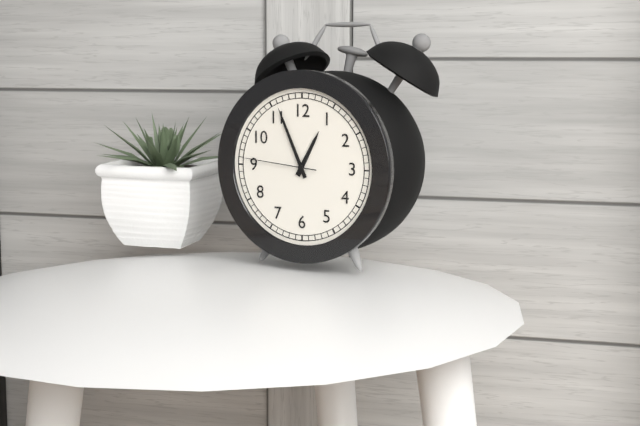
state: 12:56:46
